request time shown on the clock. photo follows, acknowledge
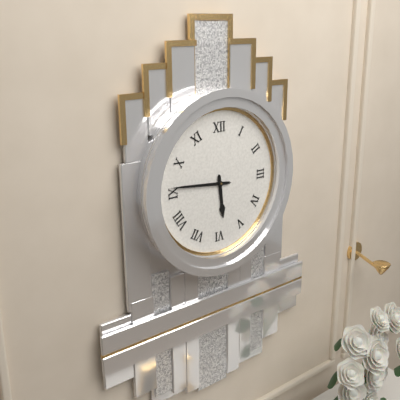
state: 5:46
